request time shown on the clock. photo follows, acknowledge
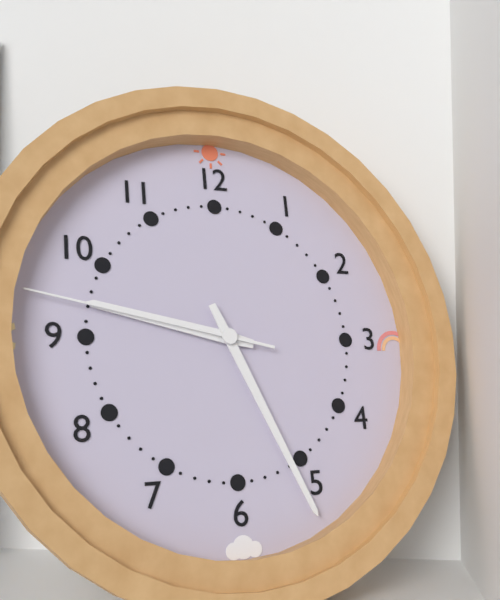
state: 9:26:47
